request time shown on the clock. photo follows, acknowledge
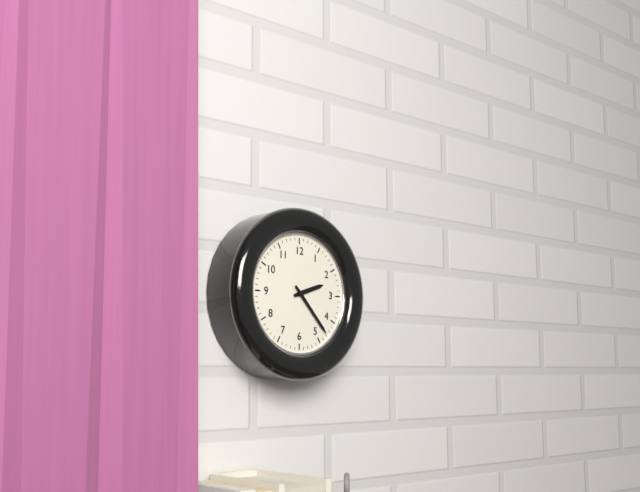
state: 2:23
